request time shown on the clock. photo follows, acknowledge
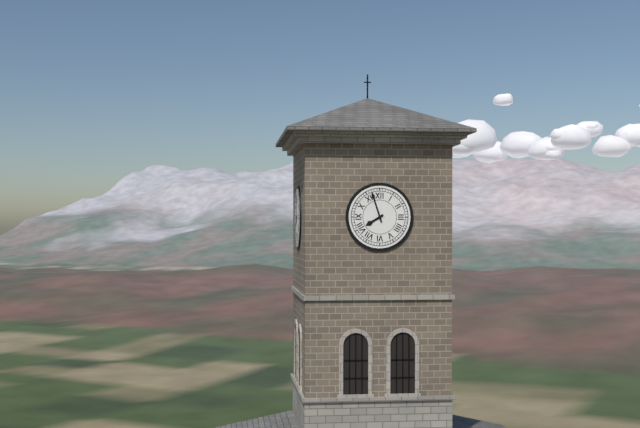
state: 7:57
